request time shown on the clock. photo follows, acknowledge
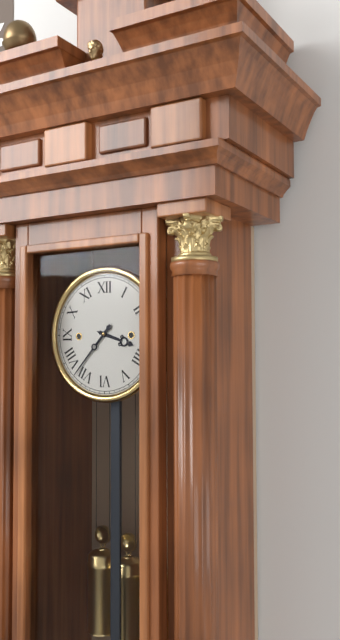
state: 3:37
